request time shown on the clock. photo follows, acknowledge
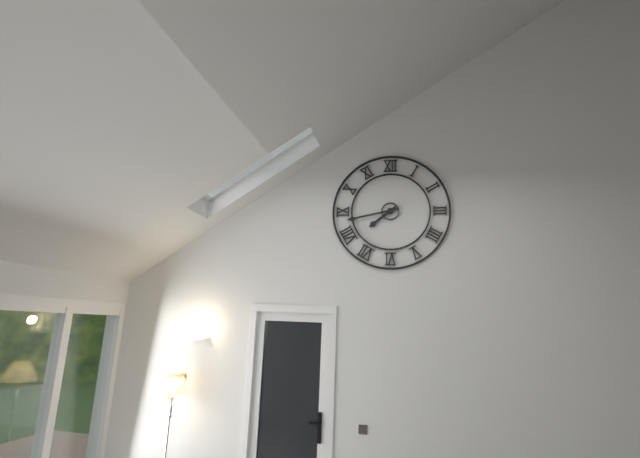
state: 7:43
